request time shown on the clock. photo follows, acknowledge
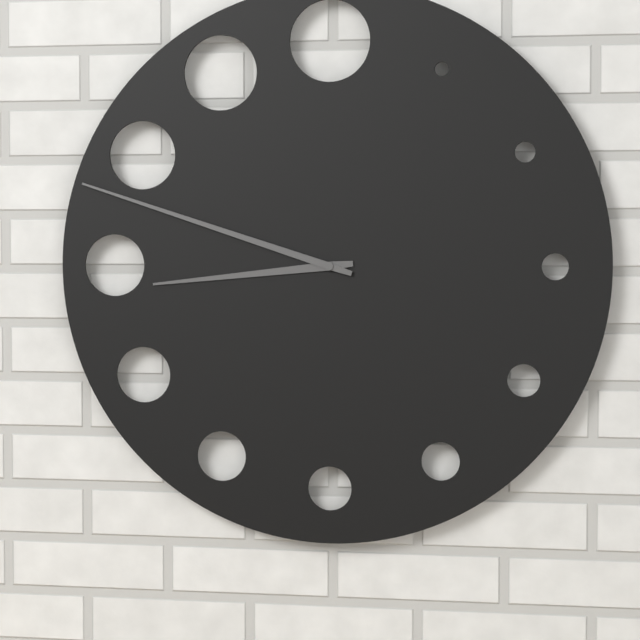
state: 8:48
